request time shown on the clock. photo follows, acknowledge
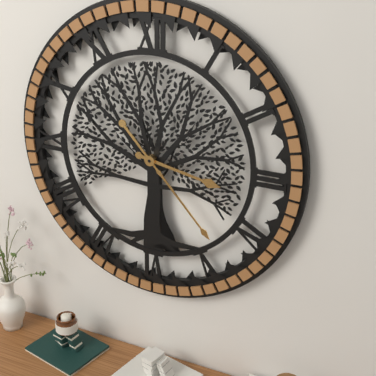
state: 3:23
